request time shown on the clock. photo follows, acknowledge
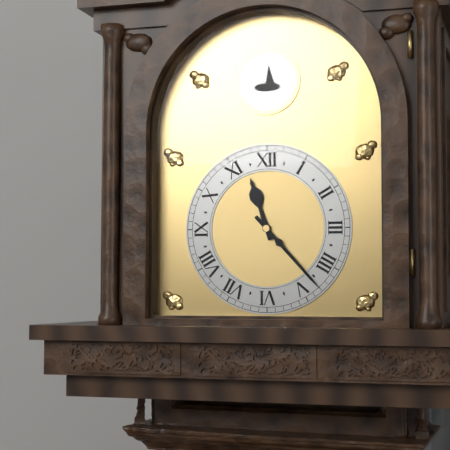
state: 11:23
